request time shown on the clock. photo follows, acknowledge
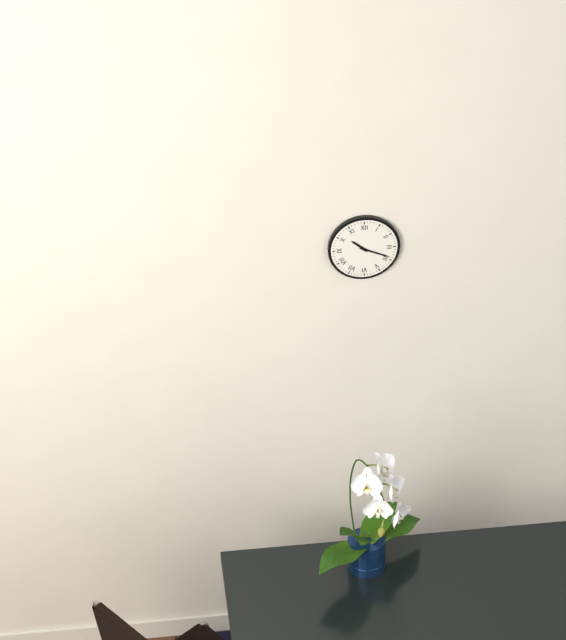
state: 10:19
